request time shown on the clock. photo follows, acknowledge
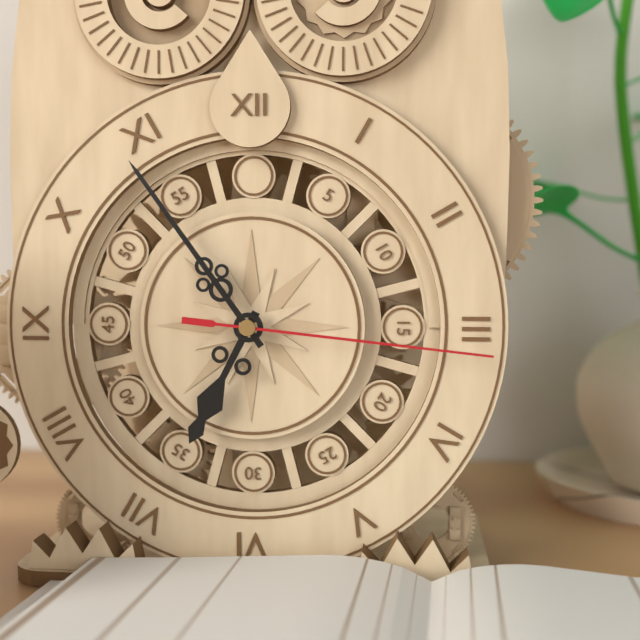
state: 6:54:16
